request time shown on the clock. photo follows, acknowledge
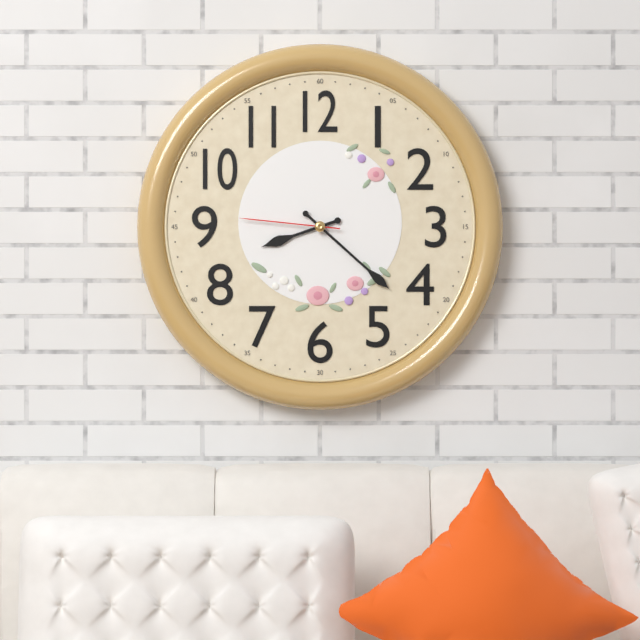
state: 8:22:46
